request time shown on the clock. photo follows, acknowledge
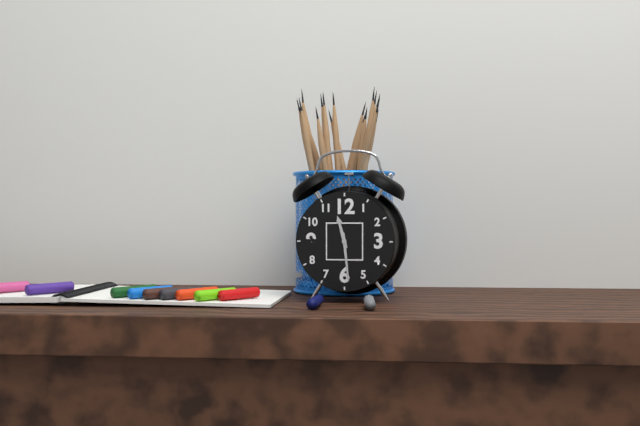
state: 11:29
